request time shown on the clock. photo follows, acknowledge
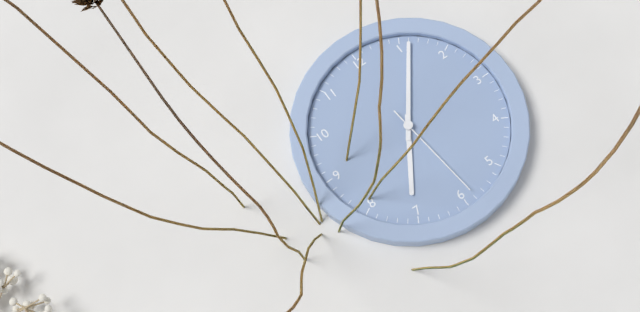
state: 7:06:29
